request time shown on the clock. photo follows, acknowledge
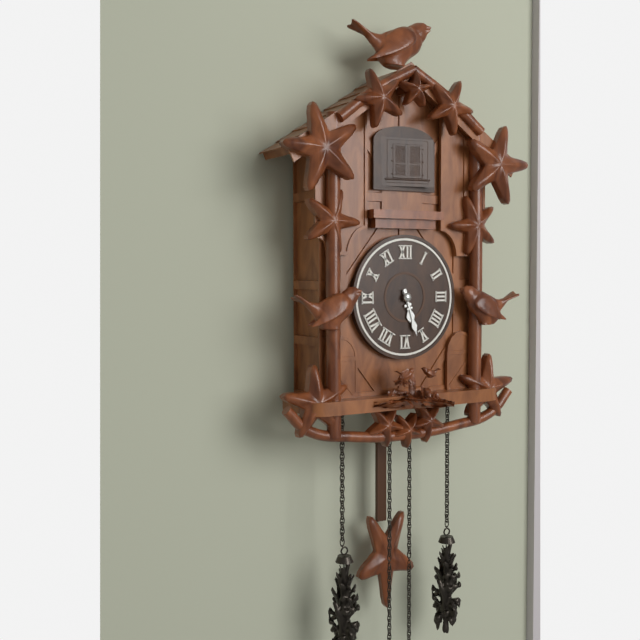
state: 5:27
